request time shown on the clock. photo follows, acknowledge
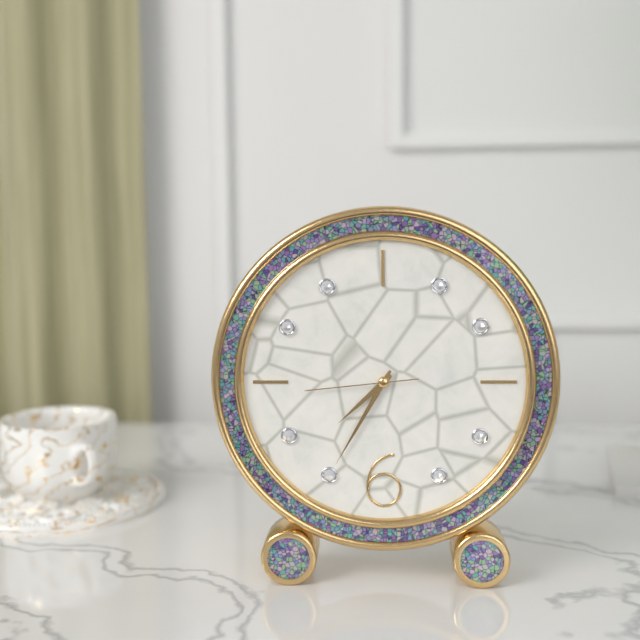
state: 7:35:44
